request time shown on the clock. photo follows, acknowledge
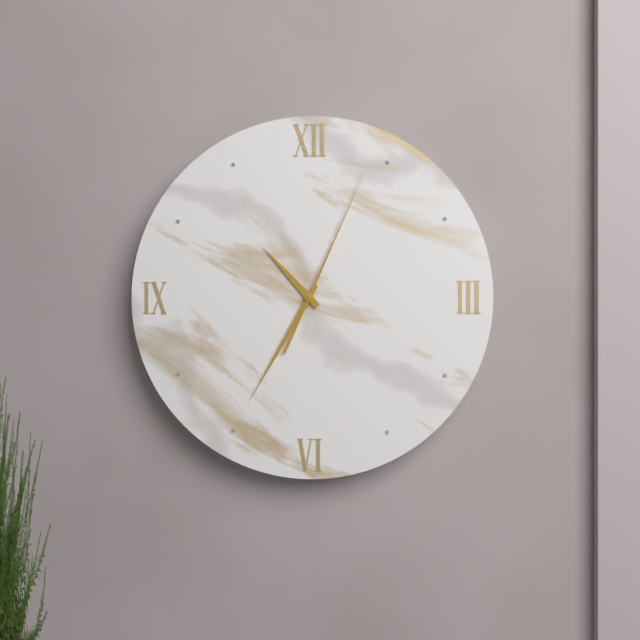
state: 10:35:04
